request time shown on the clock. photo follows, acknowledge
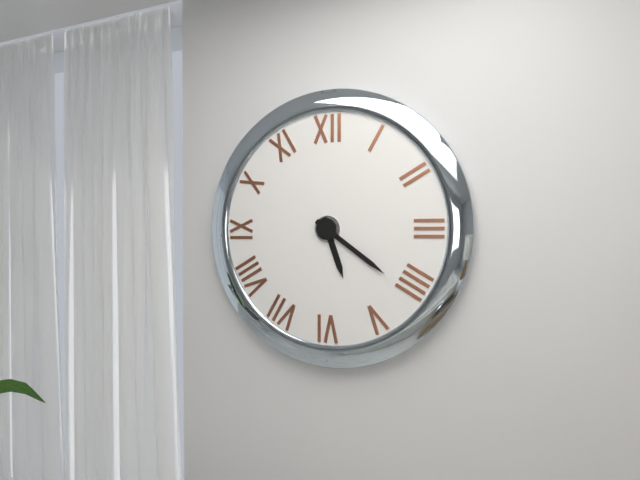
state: 5:21
